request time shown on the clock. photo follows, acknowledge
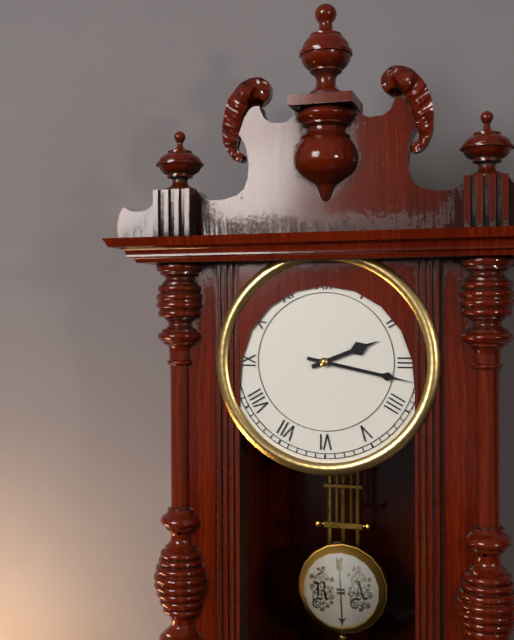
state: 2:17
